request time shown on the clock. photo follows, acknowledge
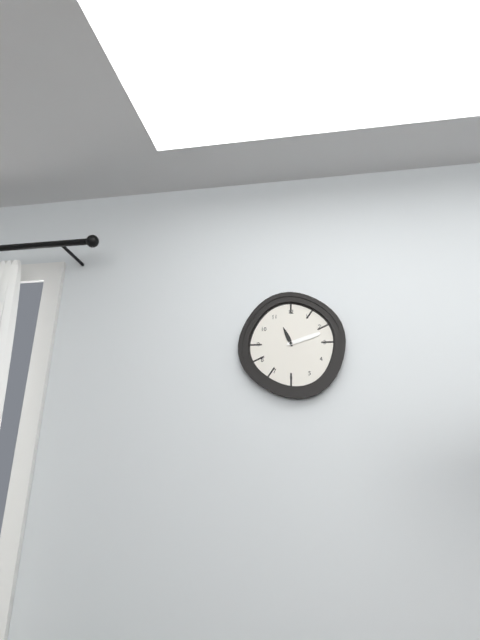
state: 11:12
